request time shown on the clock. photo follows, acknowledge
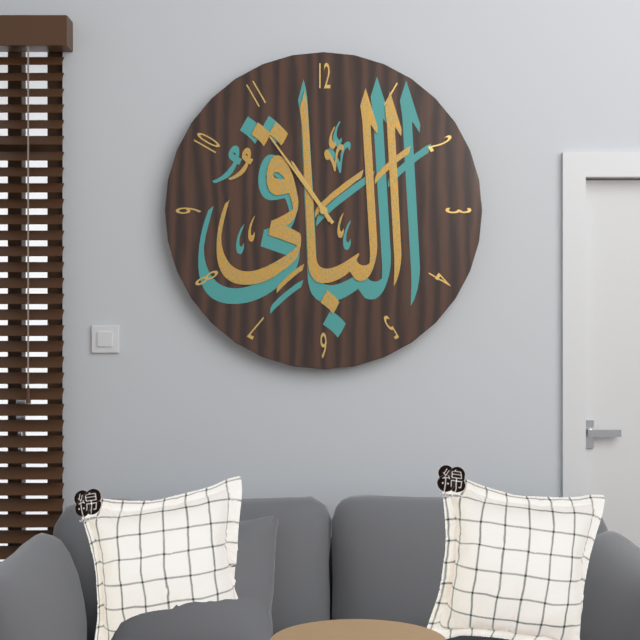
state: 10:54
